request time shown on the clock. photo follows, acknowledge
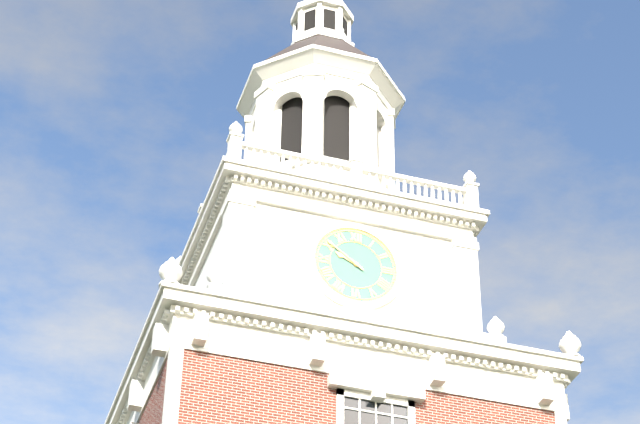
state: 9:51
